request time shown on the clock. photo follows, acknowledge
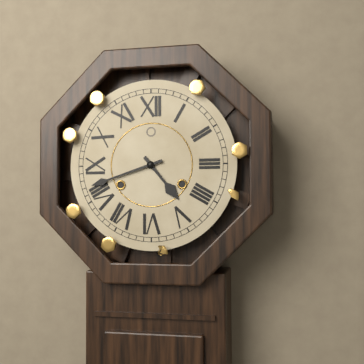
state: 4:42
